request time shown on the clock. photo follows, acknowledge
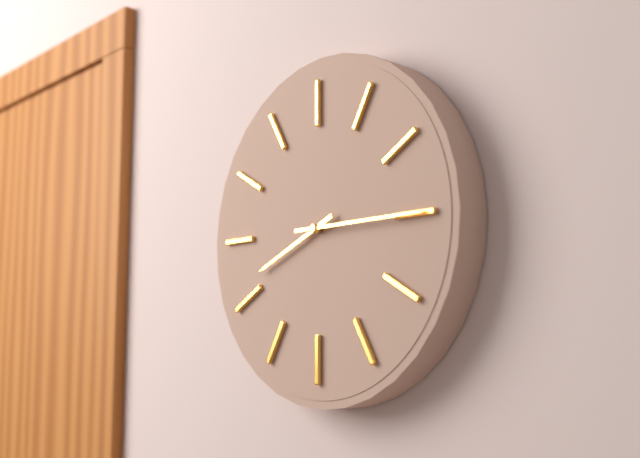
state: 8:15
